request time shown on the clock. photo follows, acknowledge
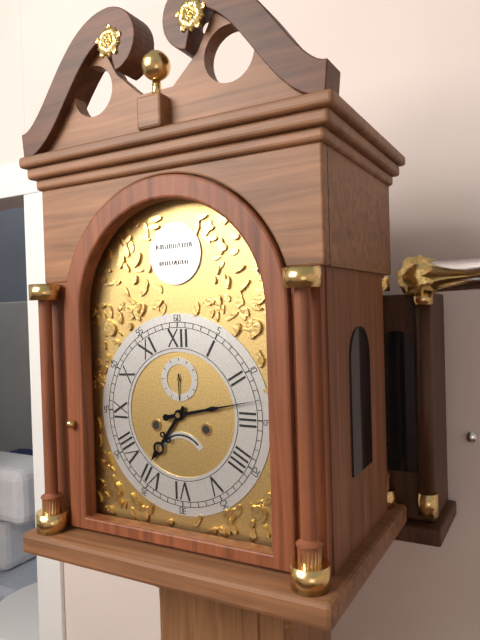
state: 7:13
